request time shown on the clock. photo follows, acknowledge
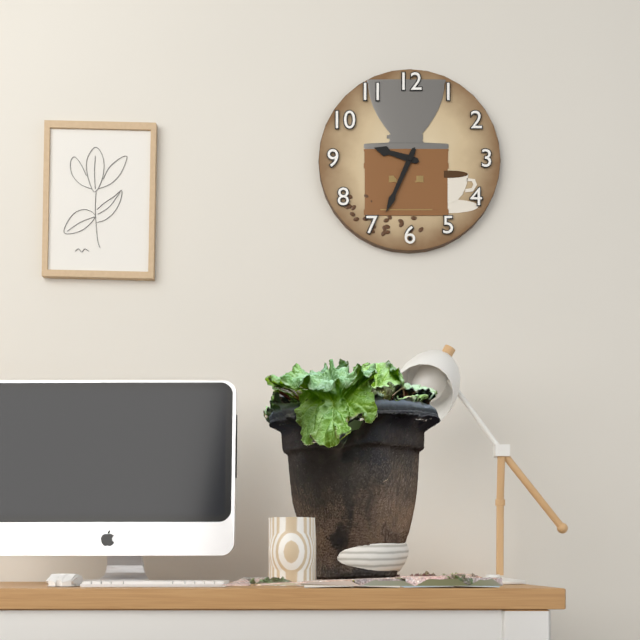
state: 9:34
